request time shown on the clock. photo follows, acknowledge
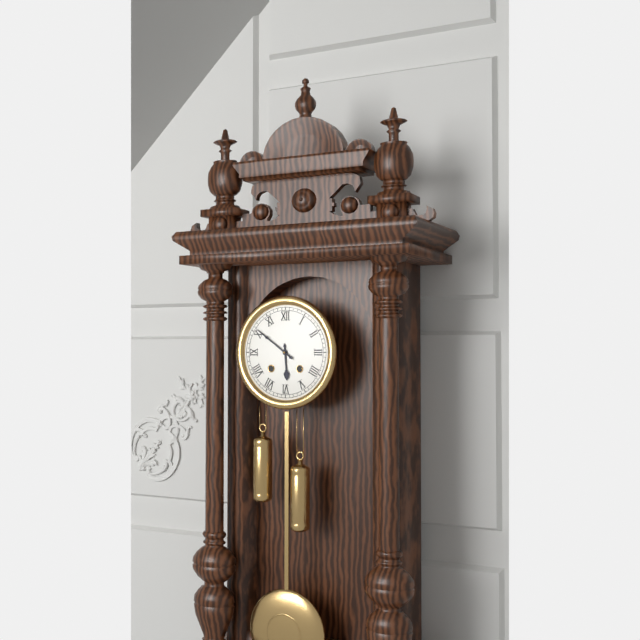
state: 5:51
